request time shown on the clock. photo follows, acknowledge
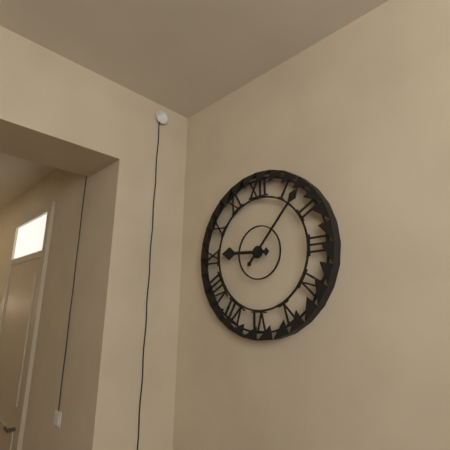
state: 9:07
